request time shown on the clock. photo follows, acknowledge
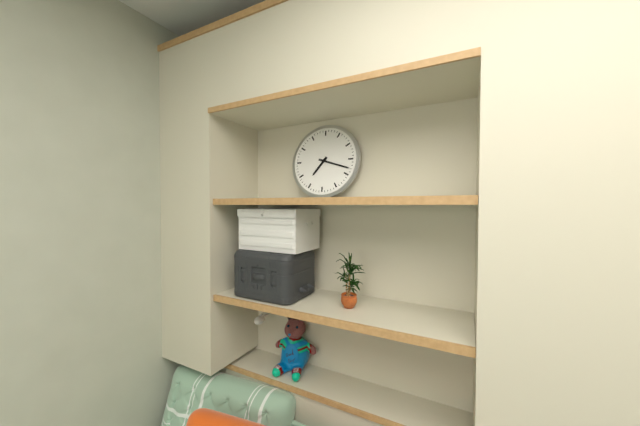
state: 7:18
